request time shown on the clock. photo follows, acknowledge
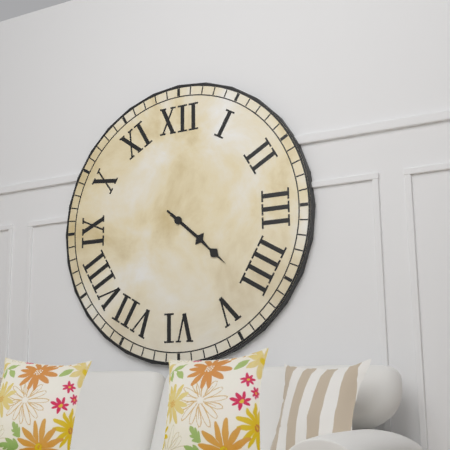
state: 4:22
